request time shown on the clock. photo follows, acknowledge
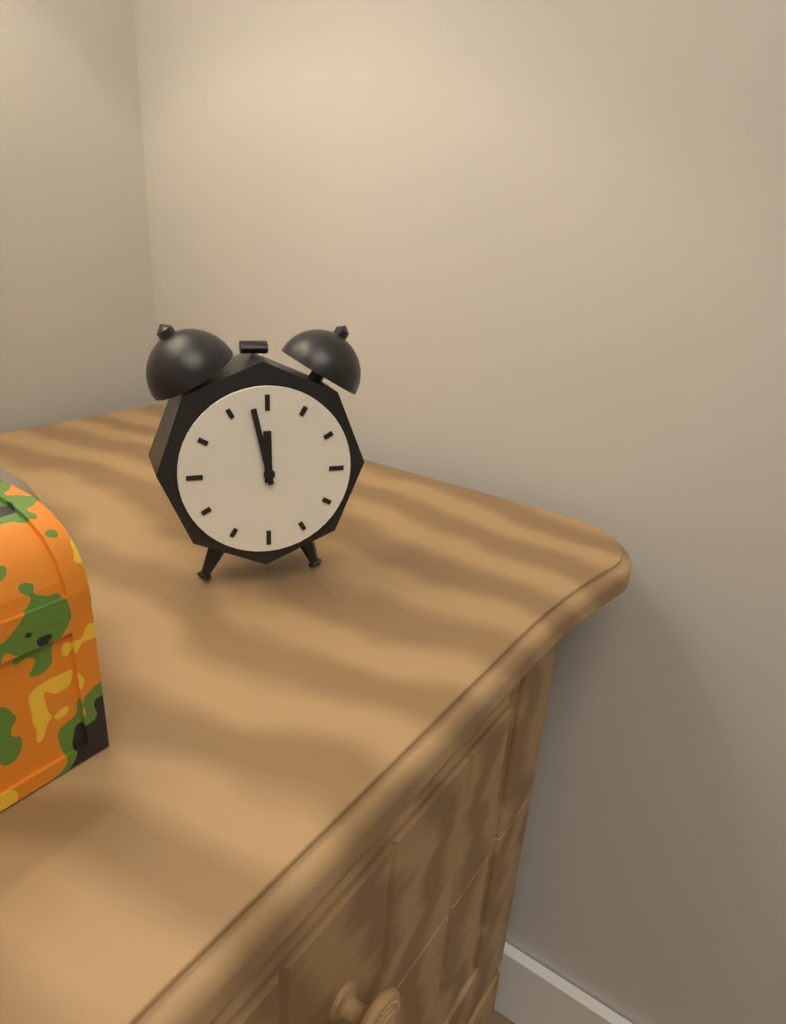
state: 11:58
